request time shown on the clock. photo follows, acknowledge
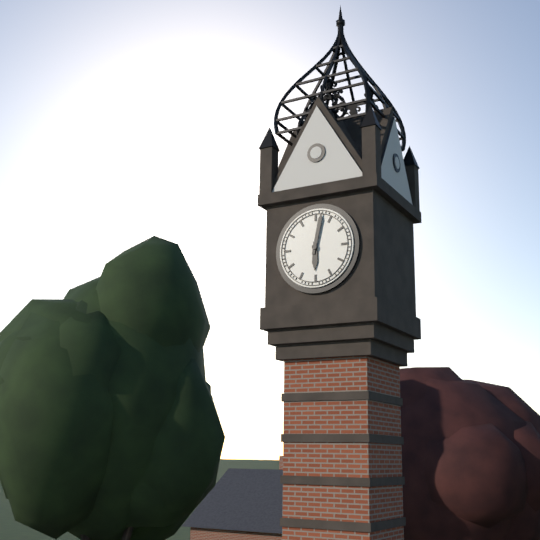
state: 6:02
